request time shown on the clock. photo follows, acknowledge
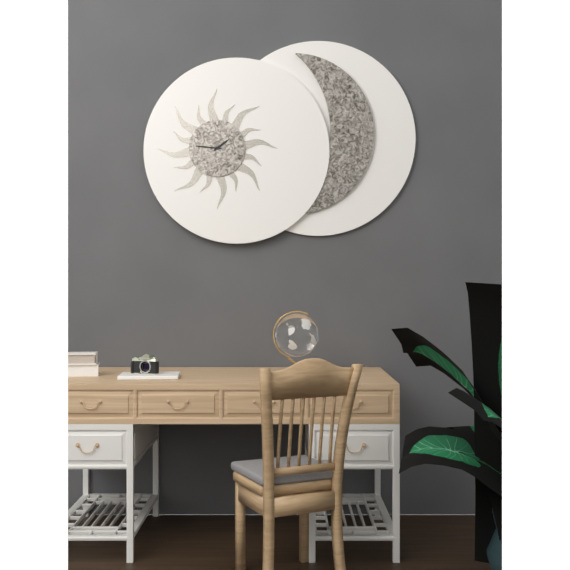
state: 1:46
